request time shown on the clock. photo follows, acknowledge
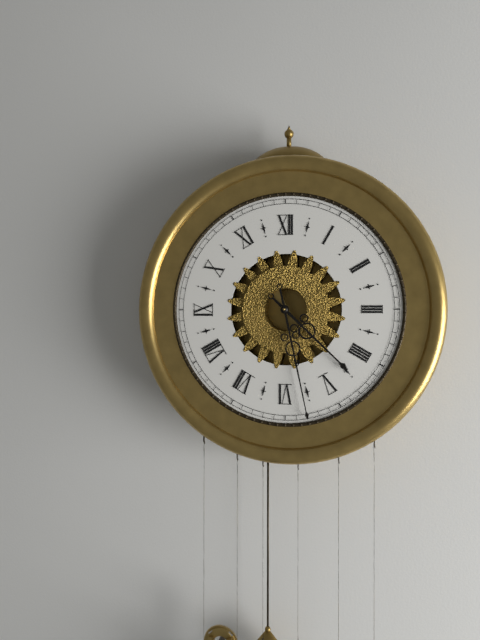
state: 4:28
